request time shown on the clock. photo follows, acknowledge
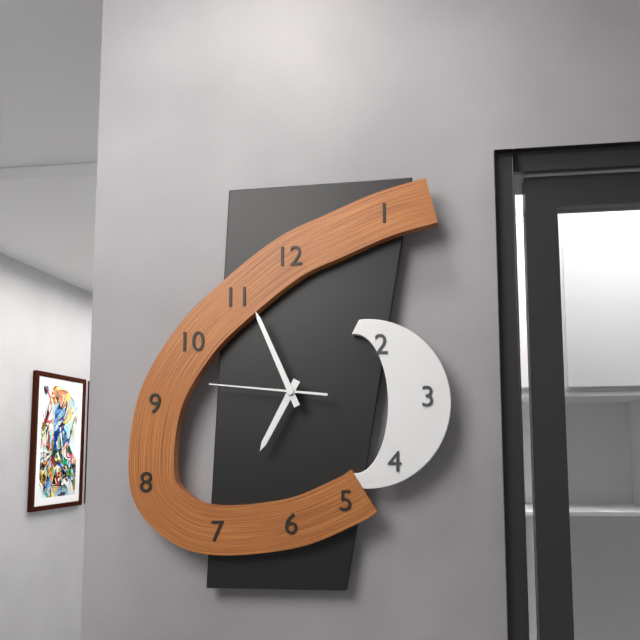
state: 6:56:46
